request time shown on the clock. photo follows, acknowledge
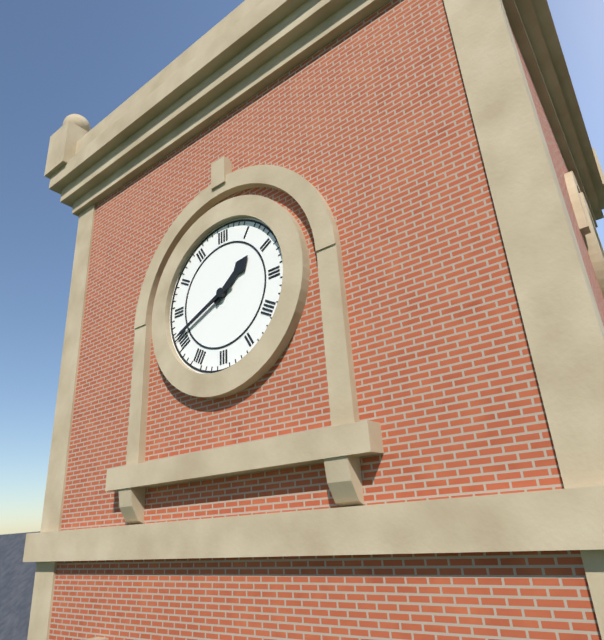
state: 1:41
